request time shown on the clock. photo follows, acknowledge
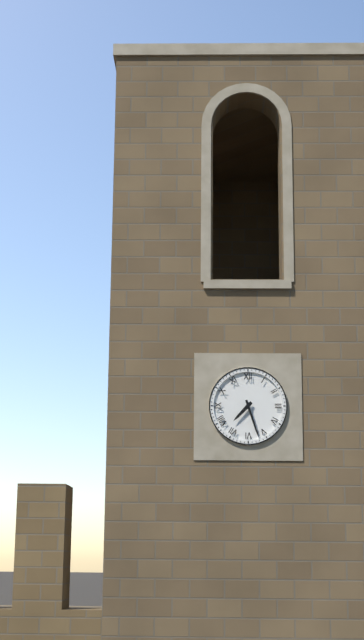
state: 7:27
